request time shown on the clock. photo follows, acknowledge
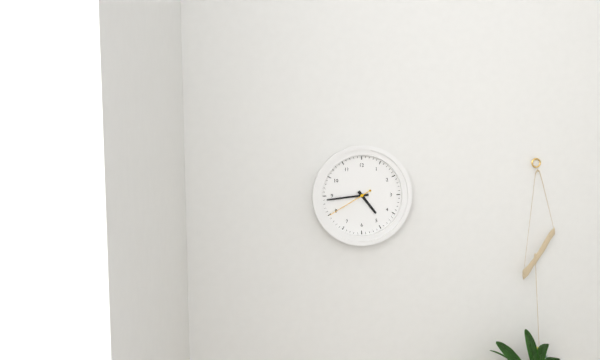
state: 4:44
